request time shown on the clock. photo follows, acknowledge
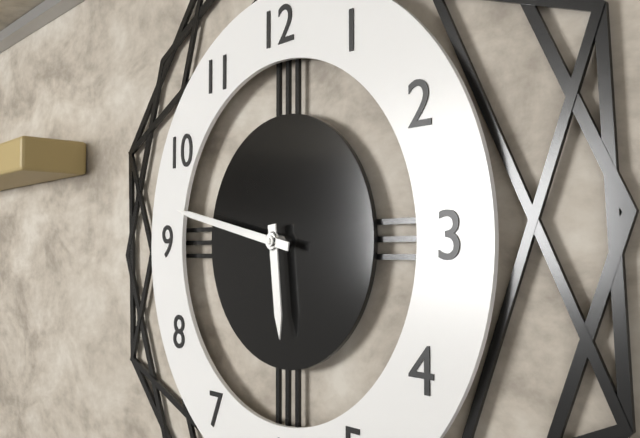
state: 5:47
